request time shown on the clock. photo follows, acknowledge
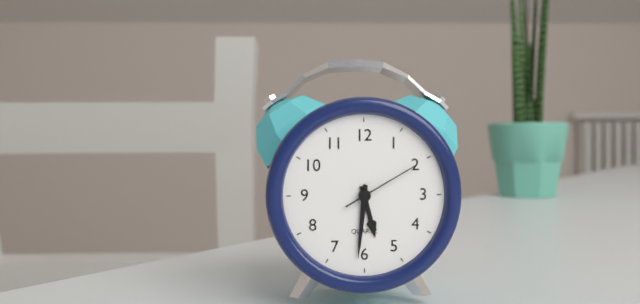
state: 5:31:10
